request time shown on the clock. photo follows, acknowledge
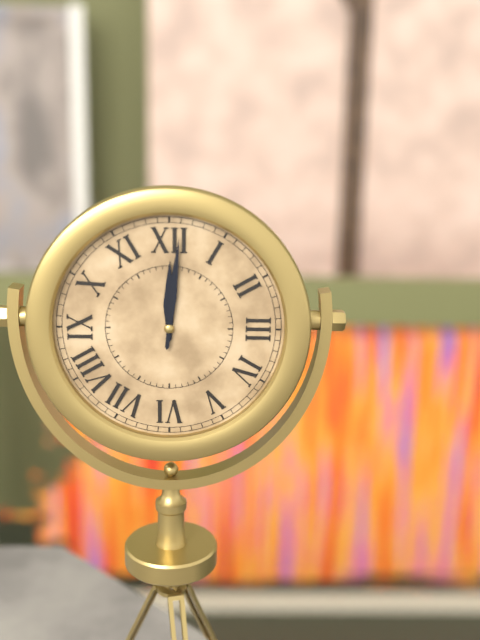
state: 12:01
